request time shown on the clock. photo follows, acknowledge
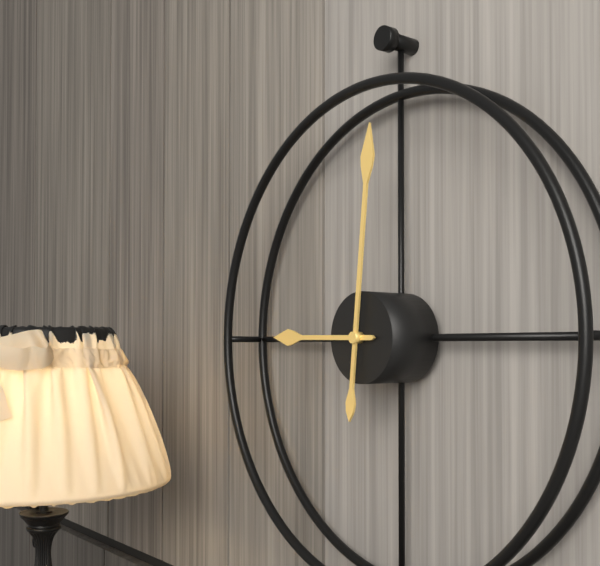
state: 9:01
